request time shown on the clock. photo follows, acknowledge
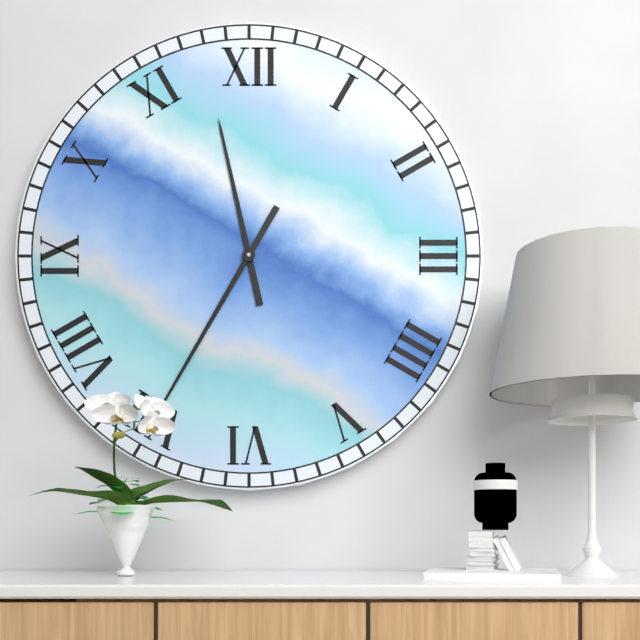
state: 11:35
